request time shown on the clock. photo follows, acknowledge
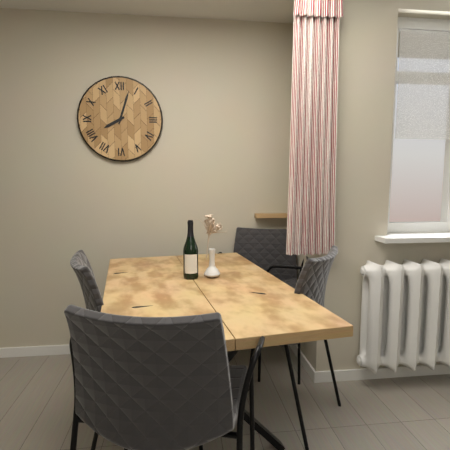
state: 8:03
